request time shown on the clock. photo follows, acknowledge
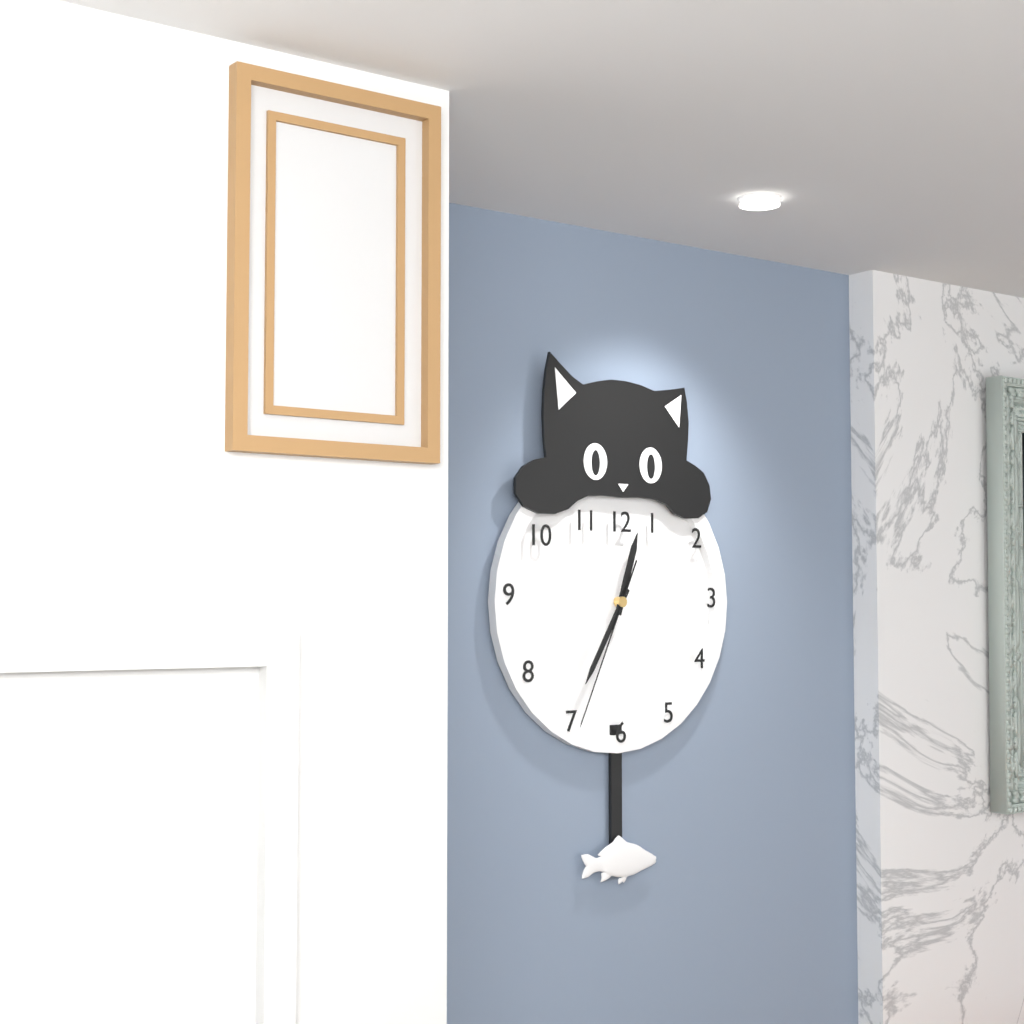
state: 12:35:34
